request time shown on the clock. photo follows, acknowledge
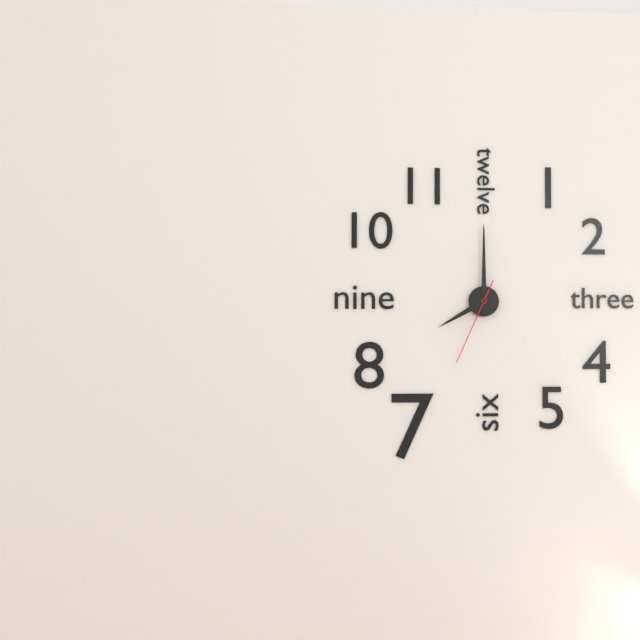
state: 8:00:34
